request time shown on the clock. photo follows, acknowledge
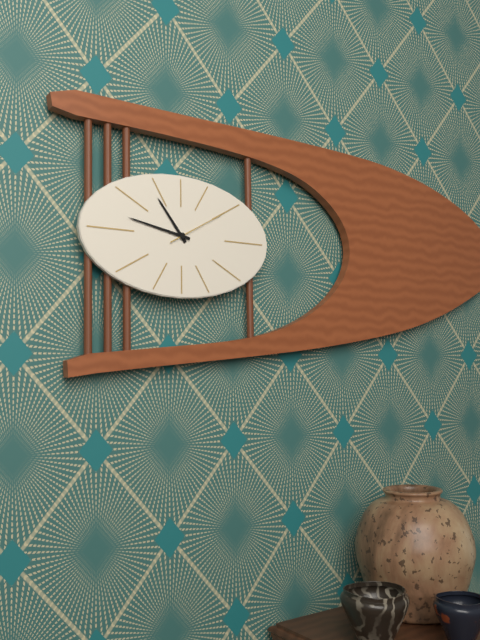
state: 10:47:10
